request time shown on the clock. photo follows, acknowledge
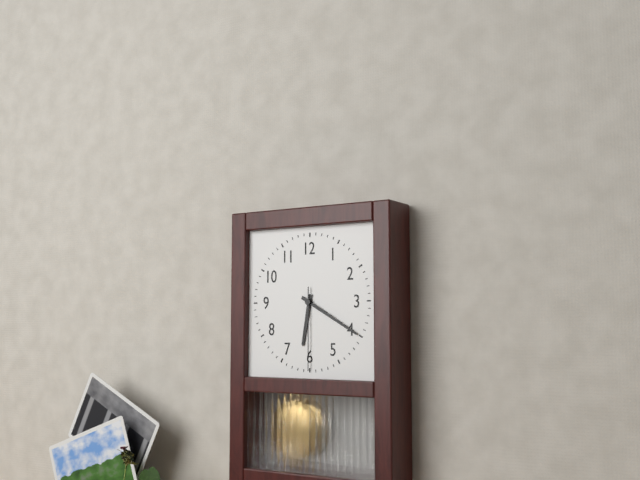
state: 6:20:30
